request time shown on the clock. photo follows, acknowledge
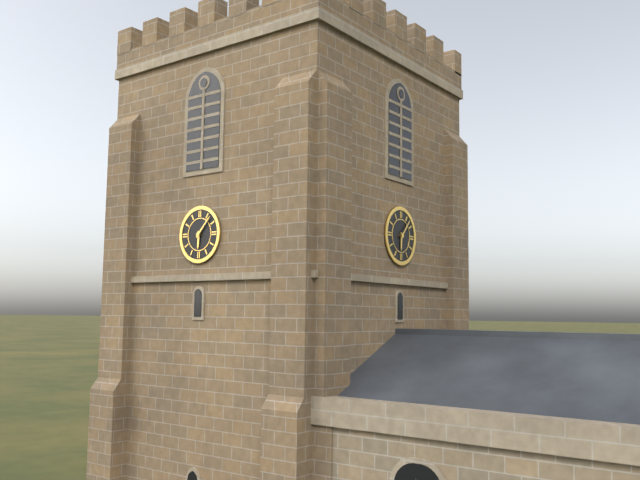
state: 6:07
